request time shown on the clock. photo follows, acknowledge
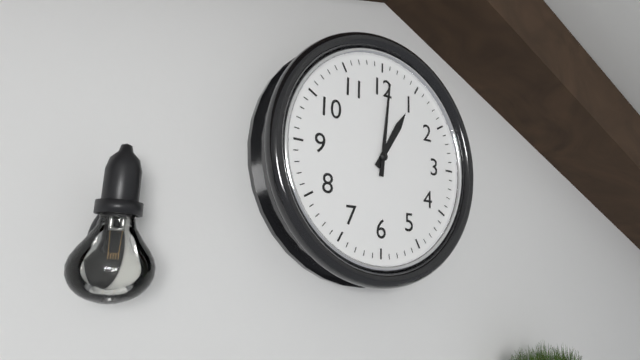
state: 1:01
